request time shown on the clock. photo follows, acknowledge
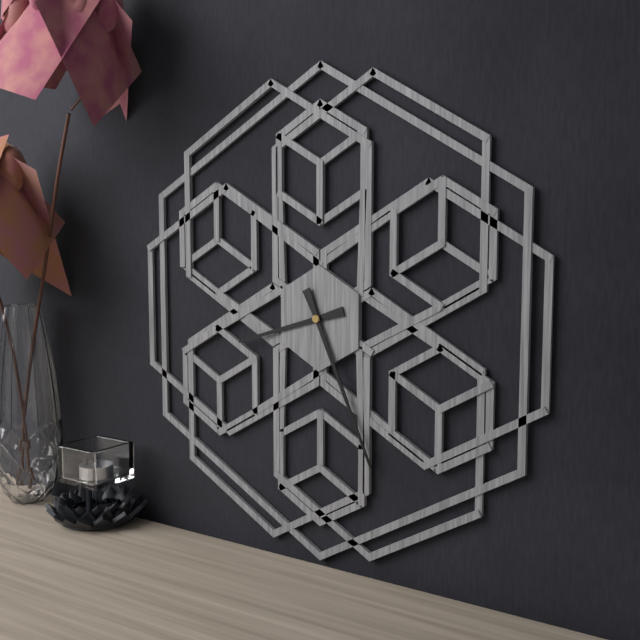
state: 8:26
